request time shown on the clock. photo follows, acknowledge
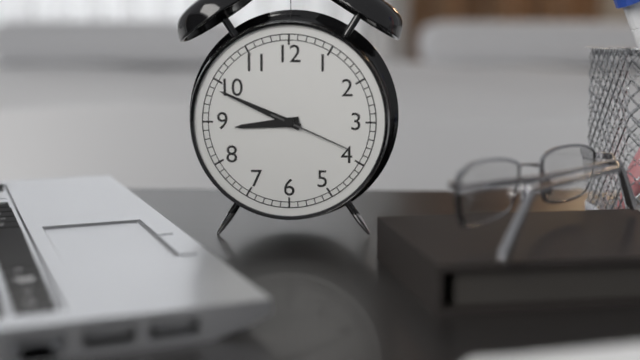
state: 8:49:19
